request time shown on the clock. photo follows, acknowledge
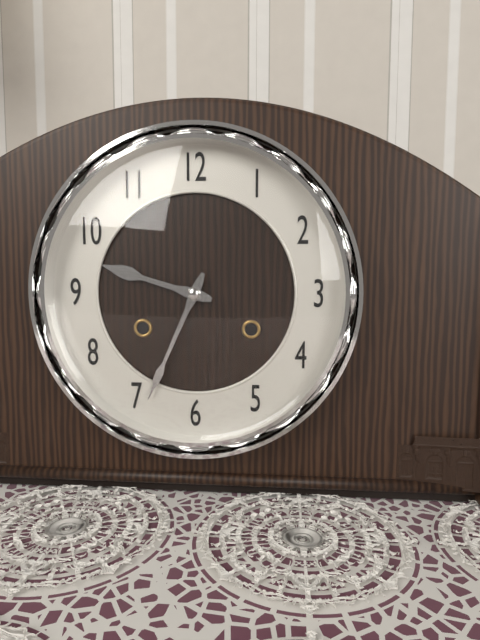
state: 9:34
